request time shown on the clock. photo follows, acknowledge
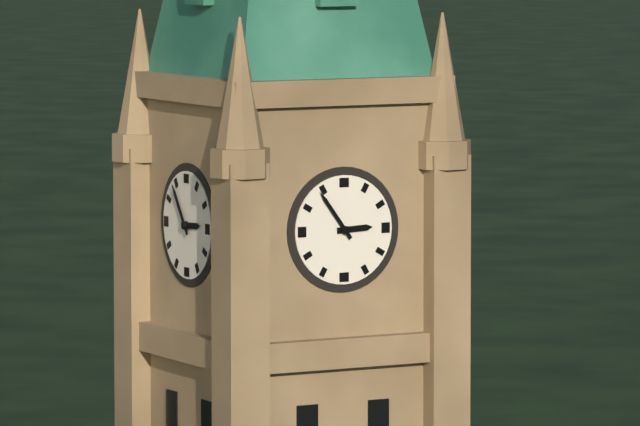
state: 2:54
